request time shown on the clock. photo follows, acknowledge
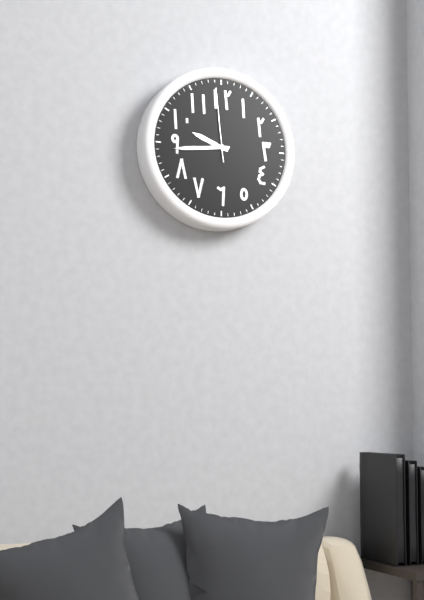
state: 9:44:59
